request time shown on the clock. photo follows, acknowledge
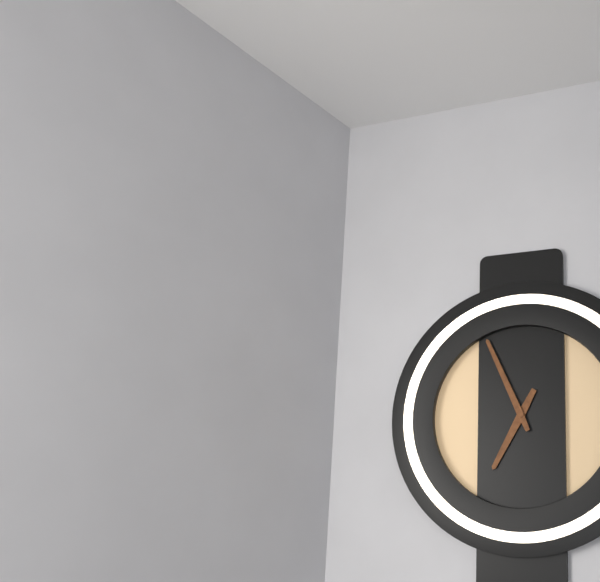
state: 6:56
